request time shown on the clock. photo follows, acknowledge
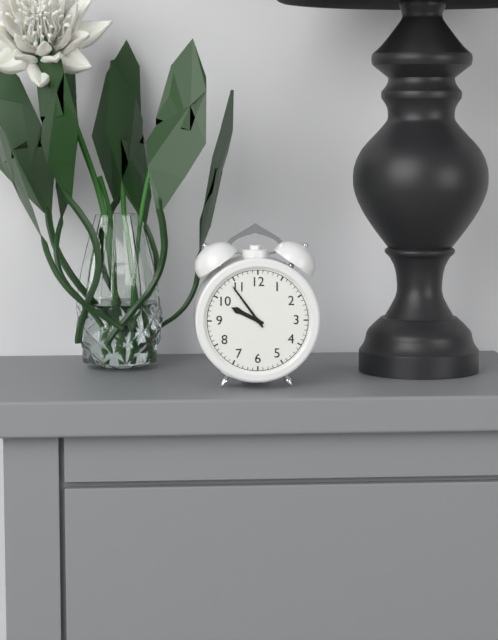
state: 9:54
